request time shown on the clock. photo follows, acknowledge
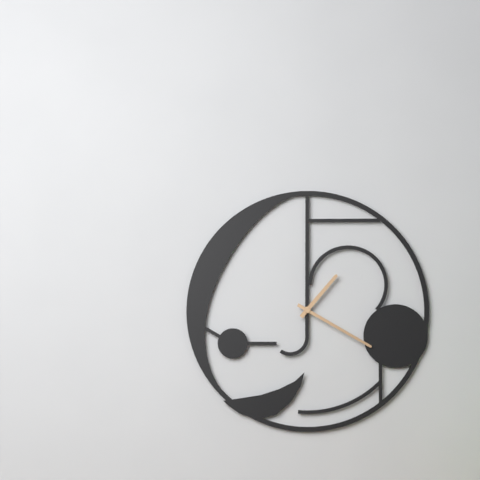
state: 1:20
